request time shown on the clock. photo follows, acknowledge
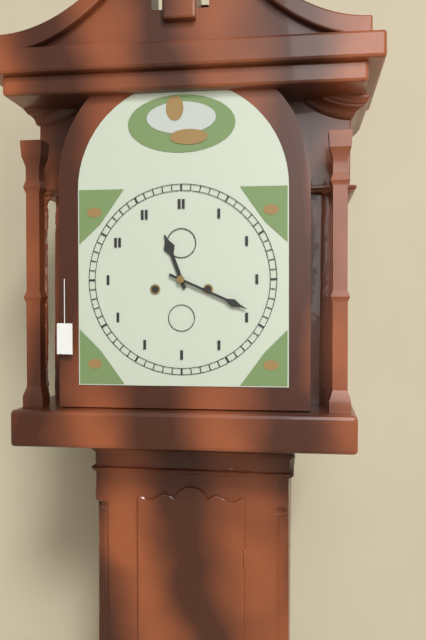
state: 11:19
